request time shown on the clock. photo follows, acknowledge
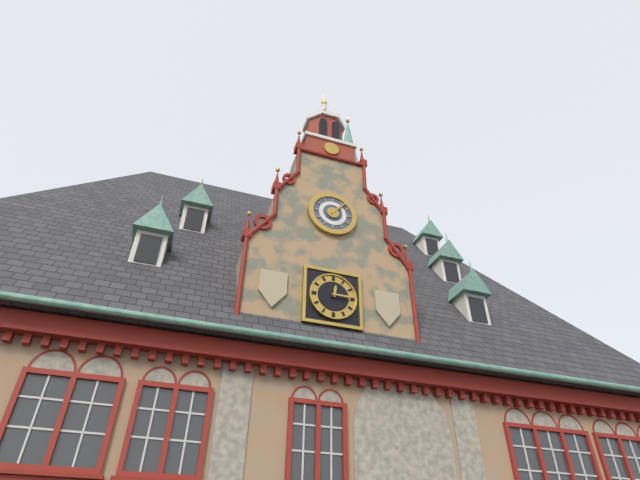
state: 12:15
